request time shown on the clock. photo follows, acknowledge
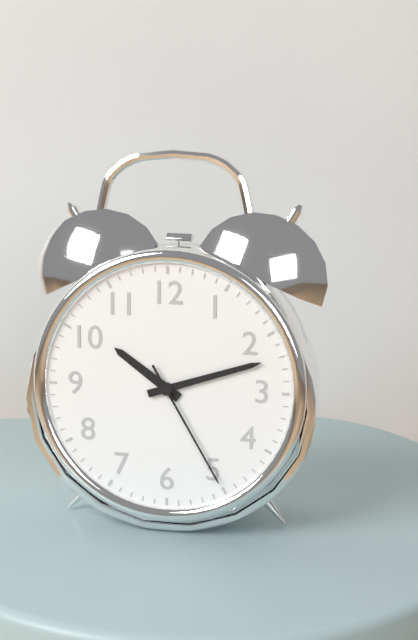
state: 10:12:25
